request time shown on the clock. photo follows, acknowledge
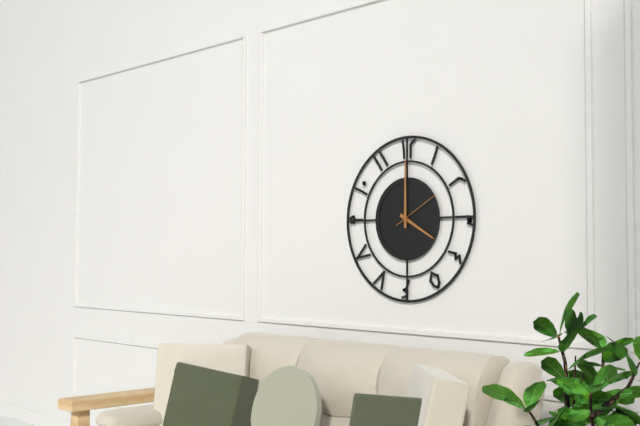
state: 4:00
